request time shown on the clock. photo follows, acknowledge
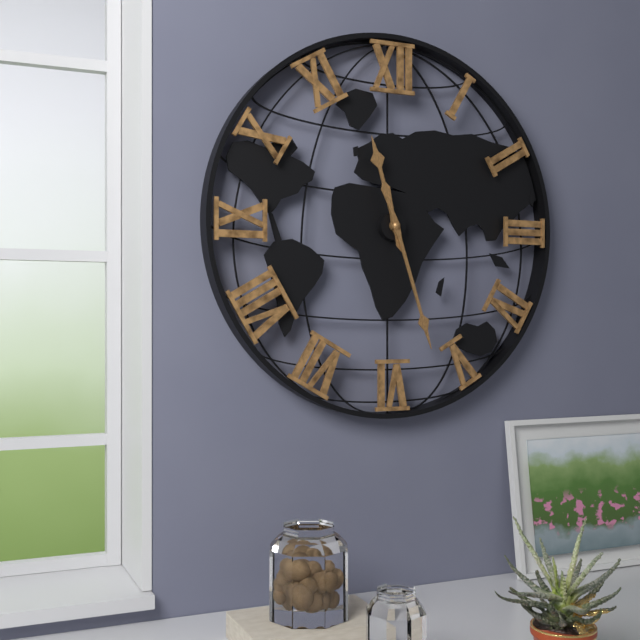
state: 11:27
